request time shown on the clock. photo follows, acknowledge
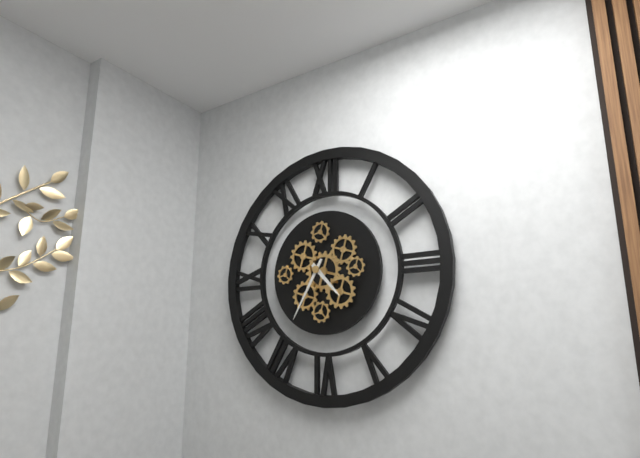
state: 4:35
